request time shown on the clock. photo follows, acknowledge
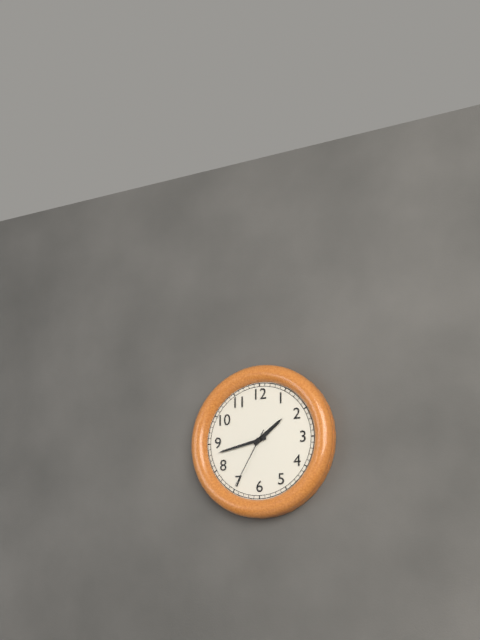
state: 1:43:35
